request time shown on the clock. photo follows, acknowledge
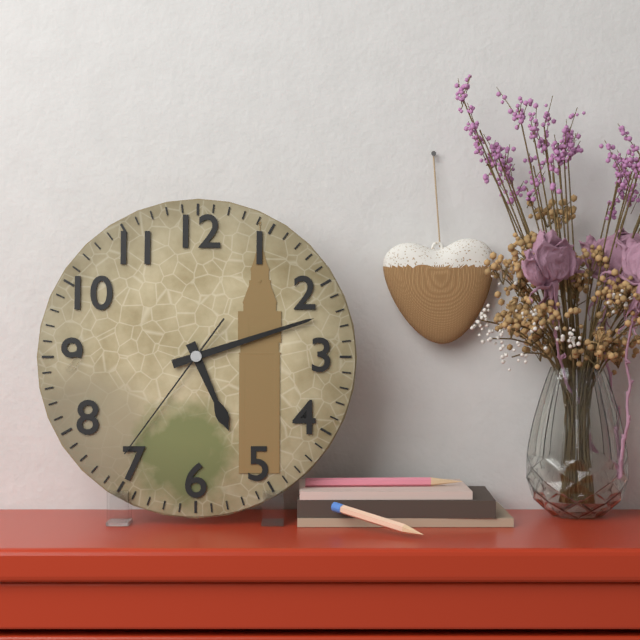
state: 5:12:36
